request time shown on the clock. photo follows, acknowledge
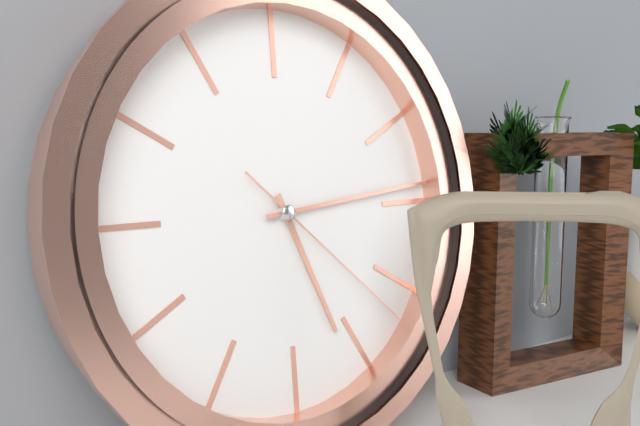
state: 5:14:22
